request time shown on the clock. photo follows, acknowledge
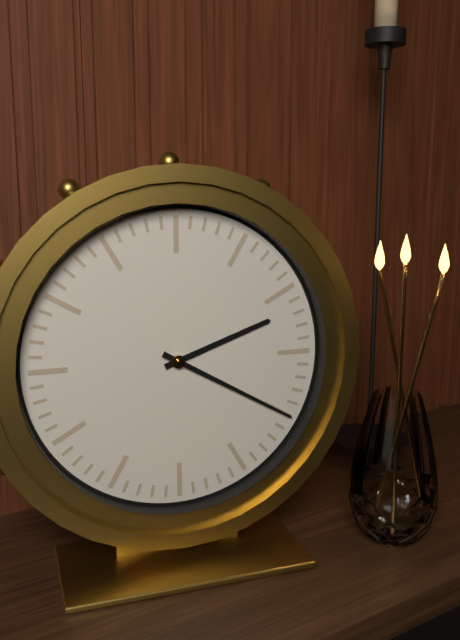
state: 2:20
